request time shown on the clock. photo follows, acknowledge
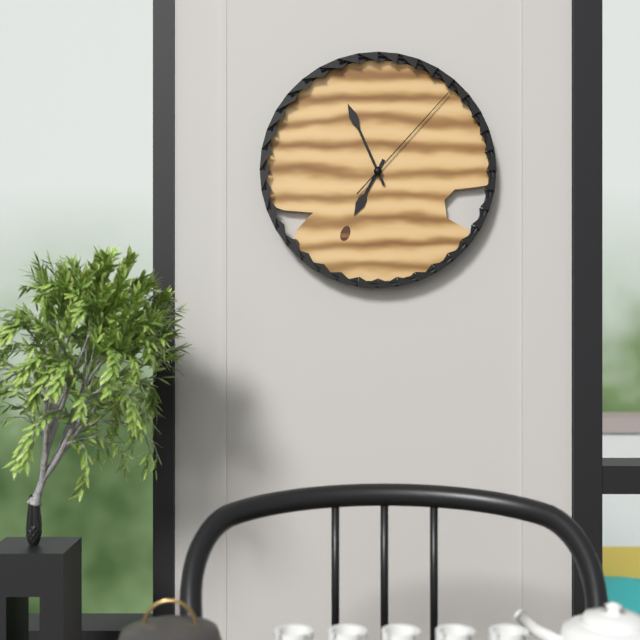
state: 6:56:07
